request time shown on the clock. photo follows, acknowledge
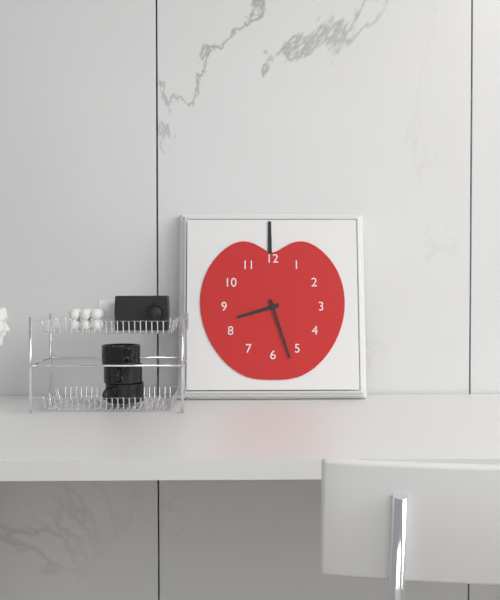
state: 8:27
